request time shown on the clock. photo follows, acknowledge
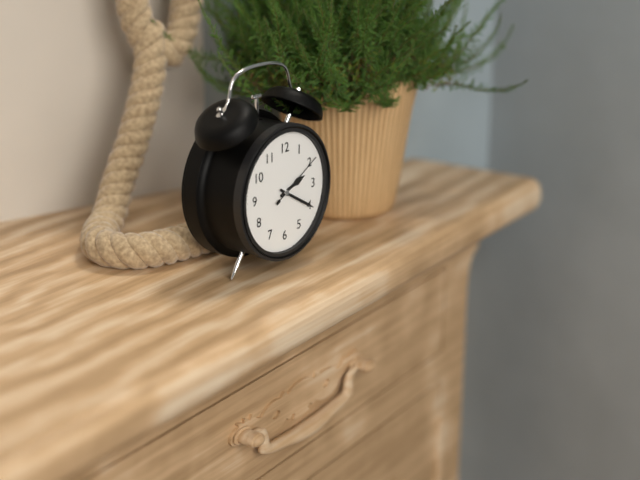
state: 2:20:10
